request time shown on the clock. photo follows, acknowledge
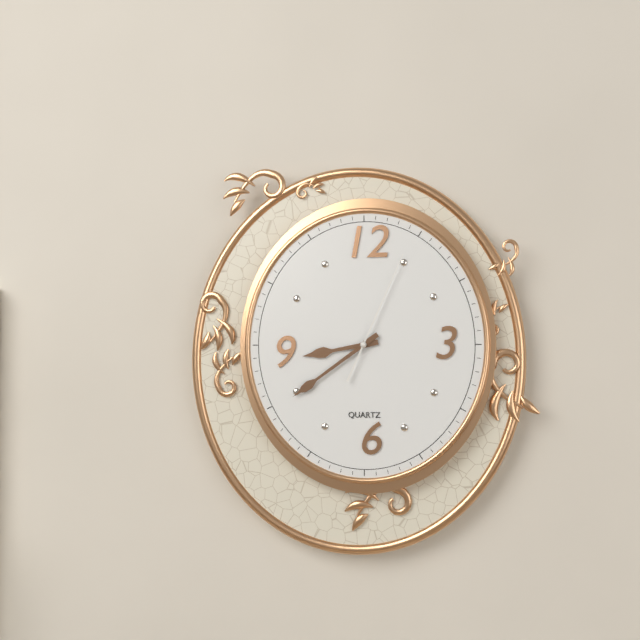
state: 8:39:04
